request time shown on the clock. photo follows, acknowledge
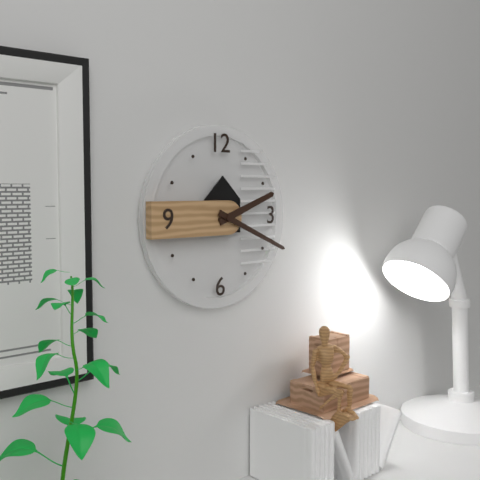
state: 2:19
